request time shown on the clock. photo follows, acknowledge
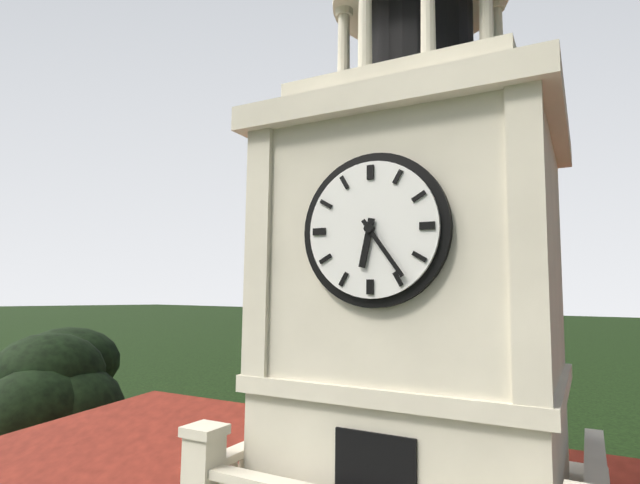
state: 6:24
